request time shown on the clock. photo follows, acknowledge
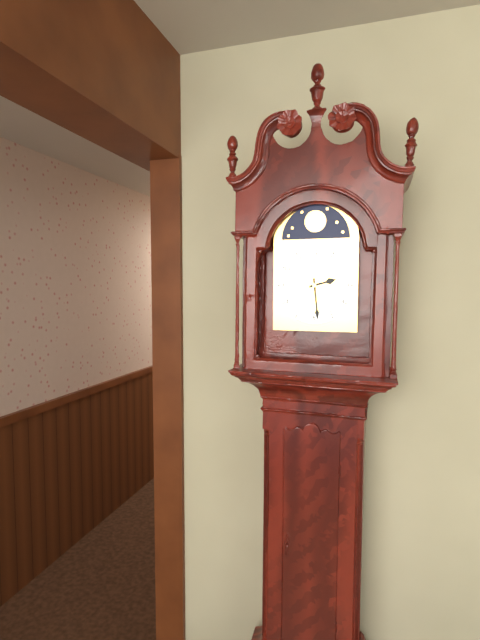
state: 2:29
